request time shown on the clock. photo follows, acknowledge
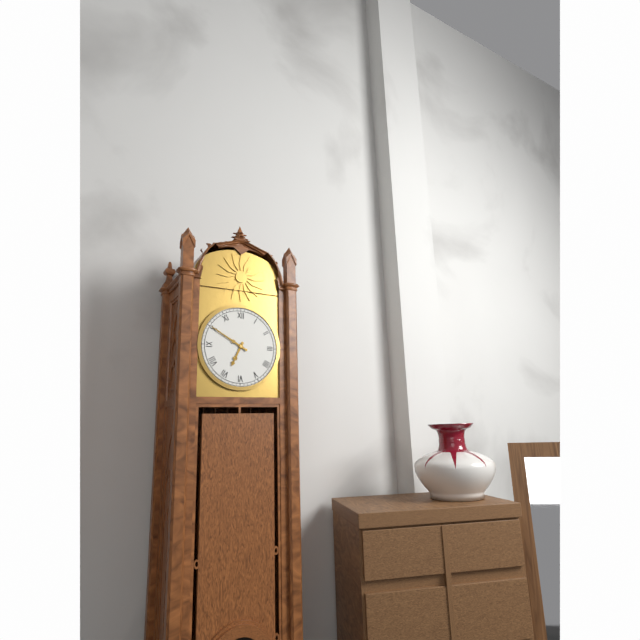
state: 6:50
